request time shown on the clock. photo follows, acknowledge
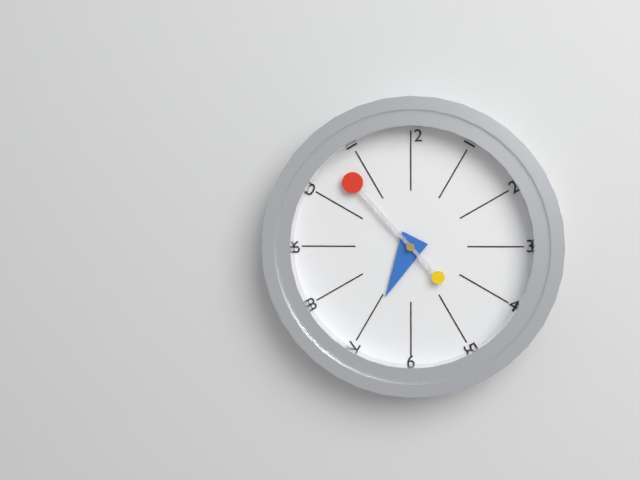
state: 6:53
